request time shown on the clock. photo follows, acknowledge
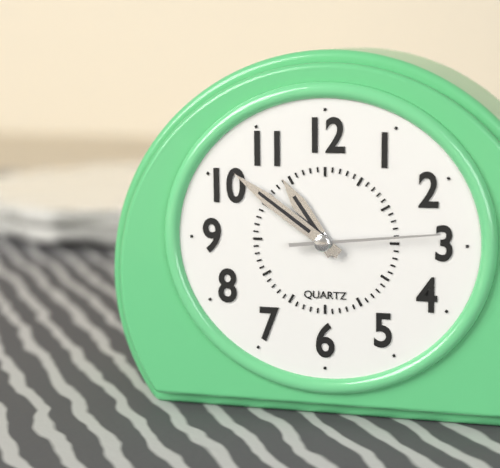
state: 10:51:14
